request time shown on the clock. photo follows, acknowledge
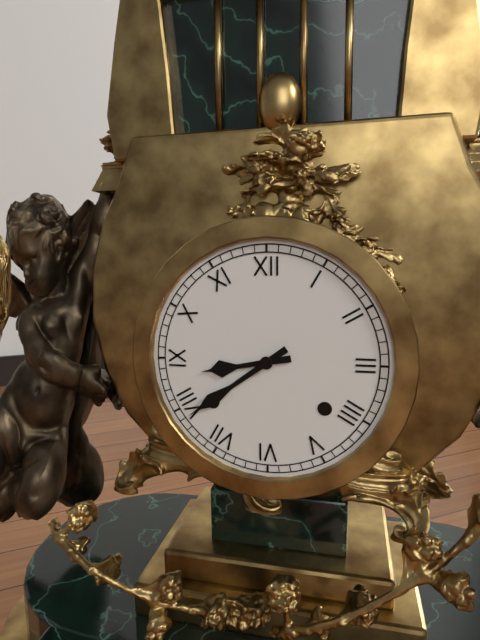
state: 8:39
